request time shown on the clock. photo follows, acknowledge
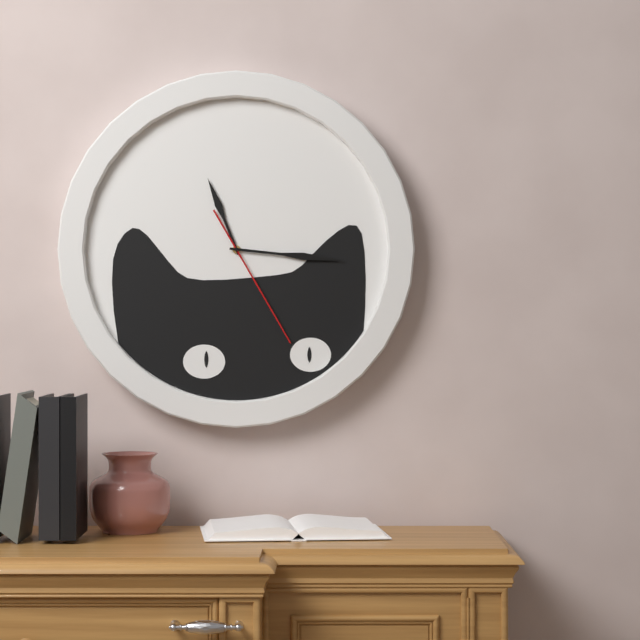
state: 11:16:25
